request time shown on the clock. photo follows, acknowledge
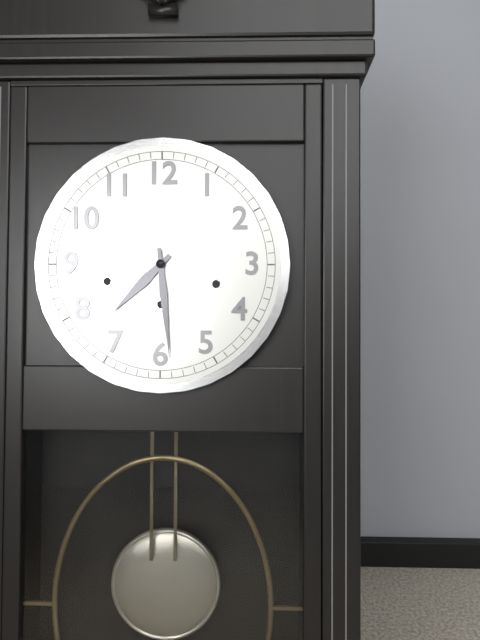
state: 7:29
